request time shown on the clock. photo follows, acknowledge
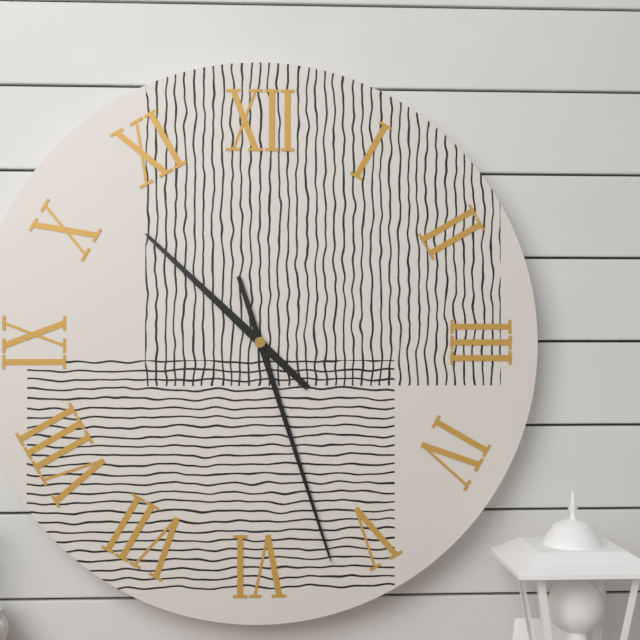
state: 10:27
